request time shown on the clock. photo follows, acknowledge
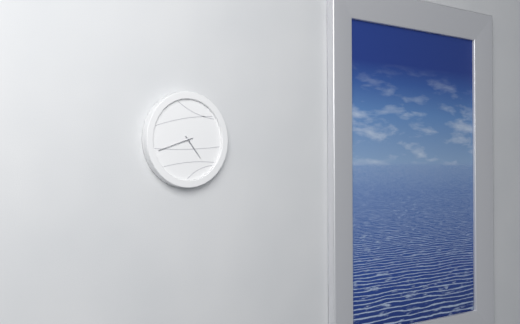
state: 4:42
